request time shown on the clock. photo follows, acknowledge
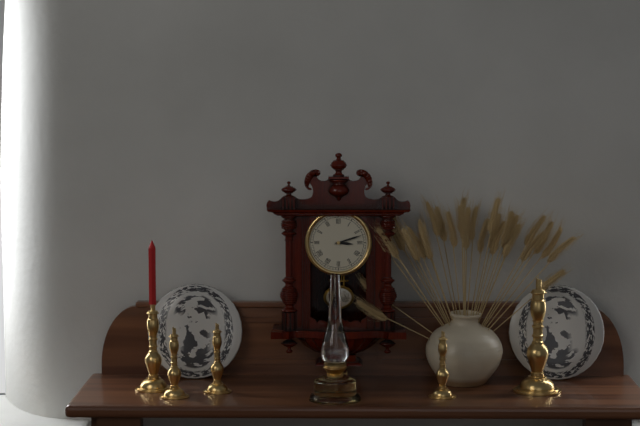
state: 3:12
